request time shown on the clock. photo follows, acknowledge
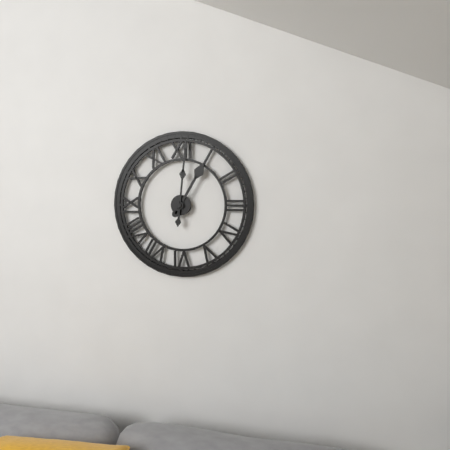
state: 1:01
